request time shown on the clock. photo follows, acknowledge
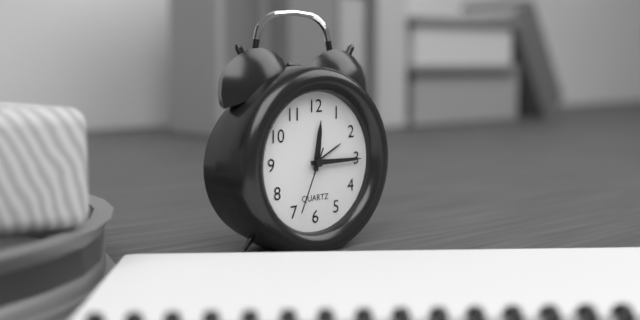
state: 12:15:34
